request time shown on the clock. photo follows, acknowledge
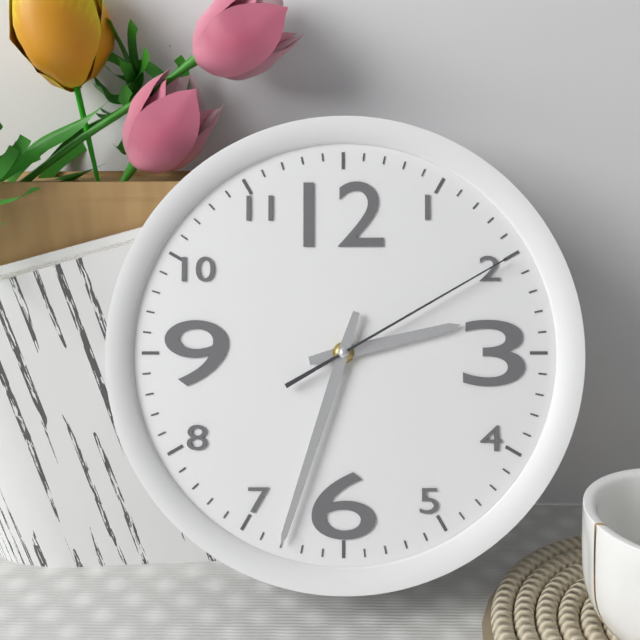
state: 2:33:10
